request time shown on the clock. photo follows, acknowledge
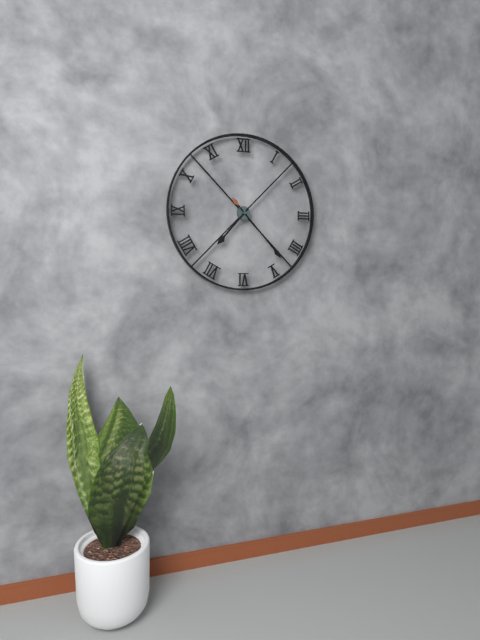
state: 7:23
